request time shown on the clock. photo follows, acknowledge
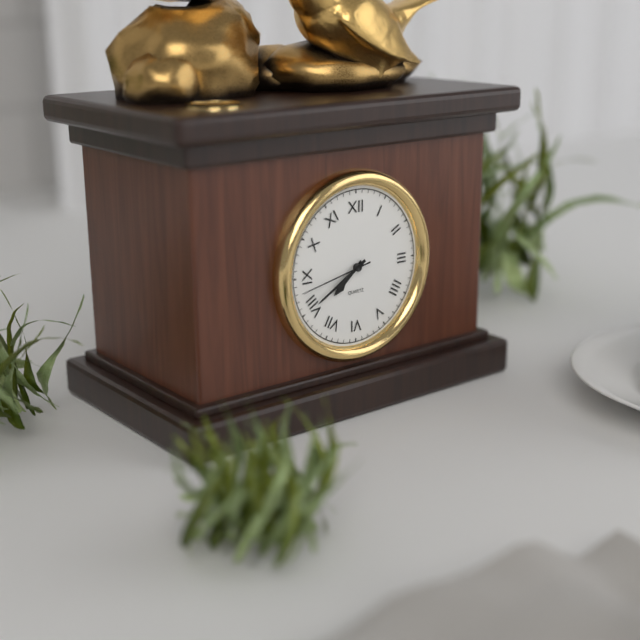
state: 7:40:43
